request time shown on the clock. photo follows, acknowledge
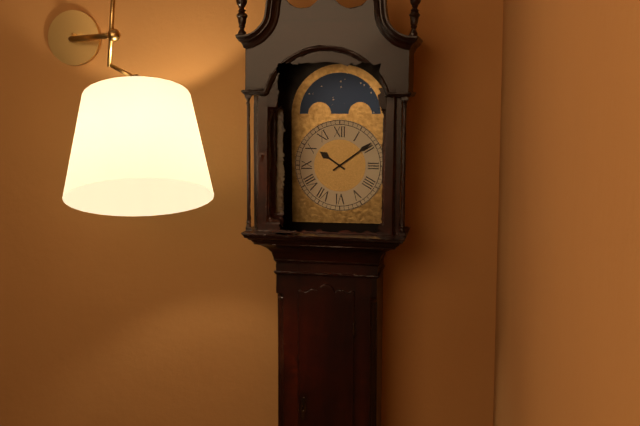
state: 10:09
